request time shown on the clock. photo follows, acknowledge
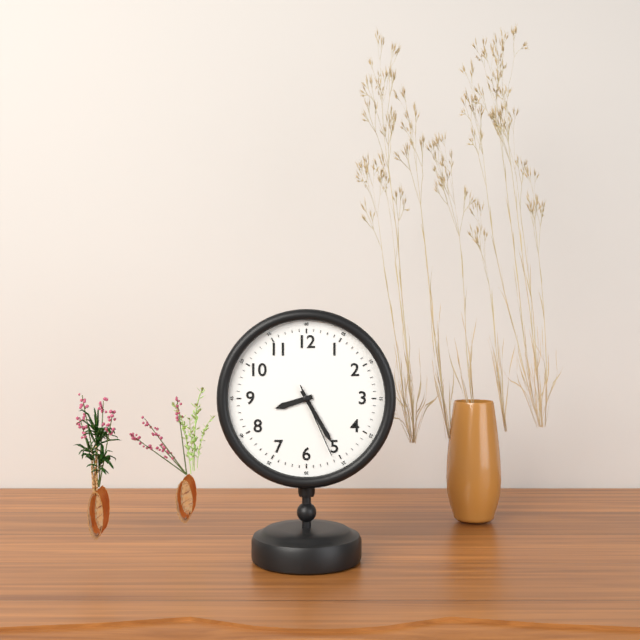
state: 8:25:26
